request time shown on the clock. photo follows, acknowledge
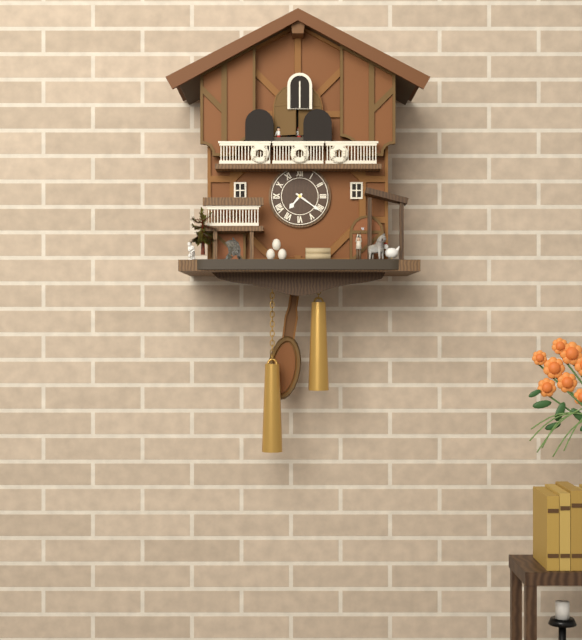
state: 7:21
